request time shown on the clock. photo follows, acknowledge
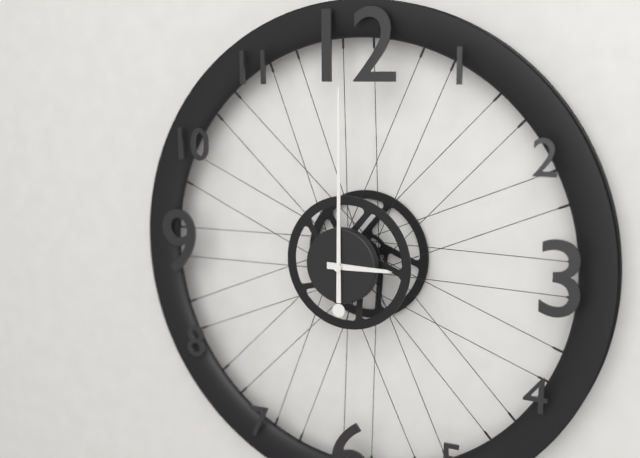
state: 3:00
